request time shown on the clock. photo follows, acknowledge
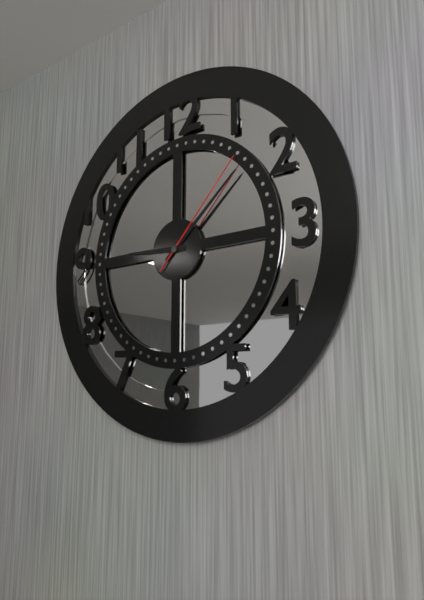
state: 9:08:07
